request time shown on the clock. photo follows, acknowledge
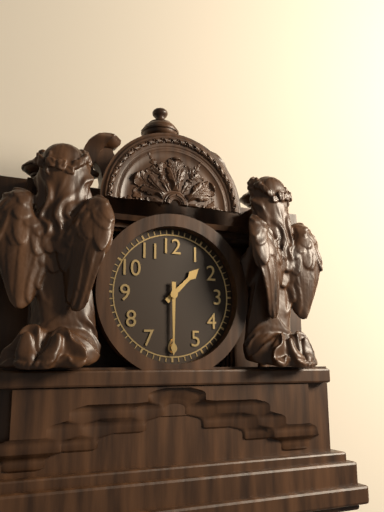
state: 1:30
